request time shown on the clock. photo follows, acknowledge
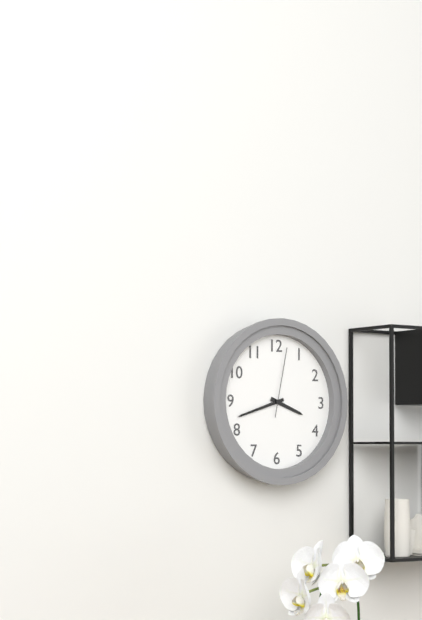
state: 3:42:02
